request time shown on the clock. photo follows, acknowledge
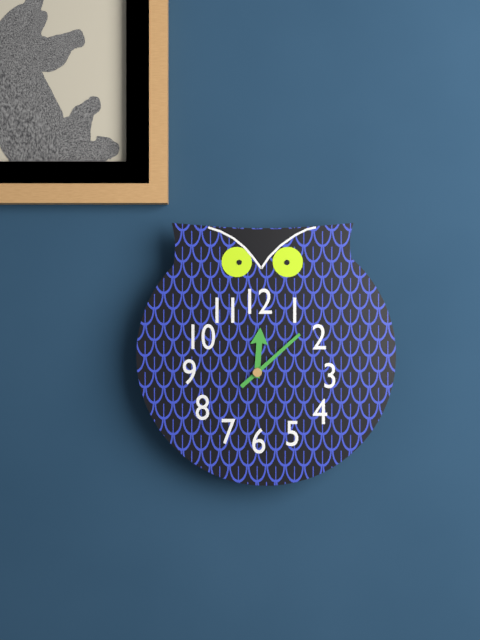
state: 12:08
